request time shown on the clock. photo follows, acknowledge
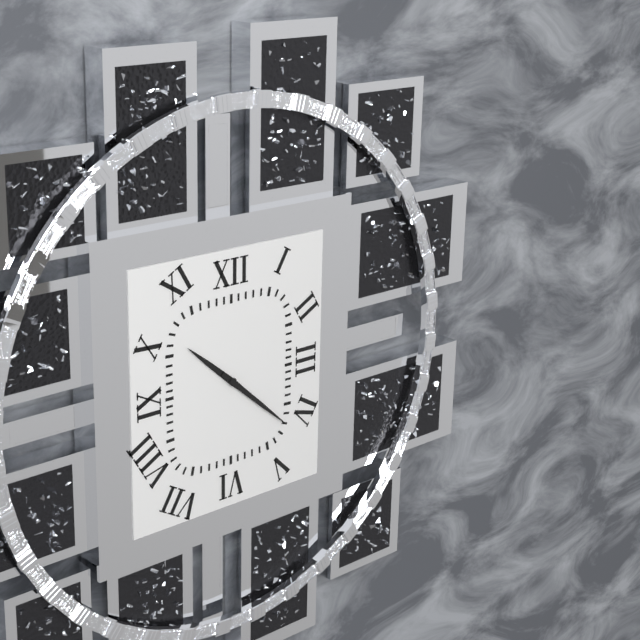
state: 10:22
